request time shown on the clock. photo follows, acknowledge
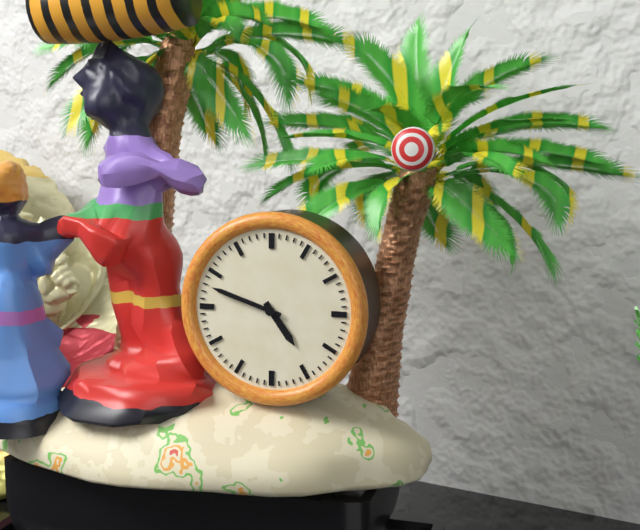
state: 4:48
